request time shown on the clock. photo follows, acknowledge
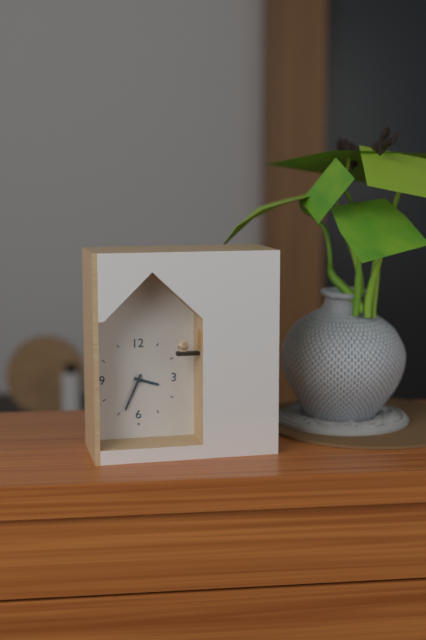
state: 3:34
